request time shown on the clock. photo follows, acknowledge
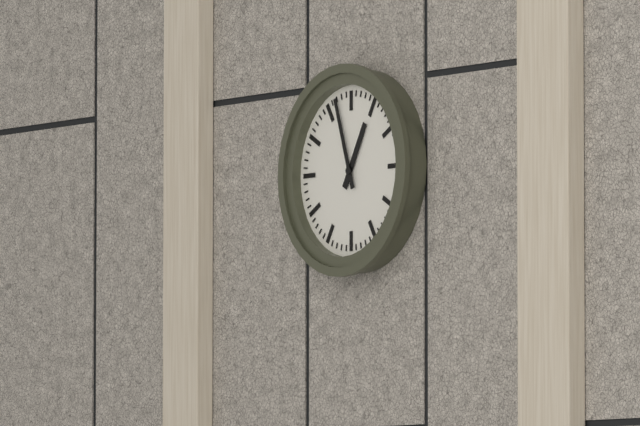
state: 12:57
